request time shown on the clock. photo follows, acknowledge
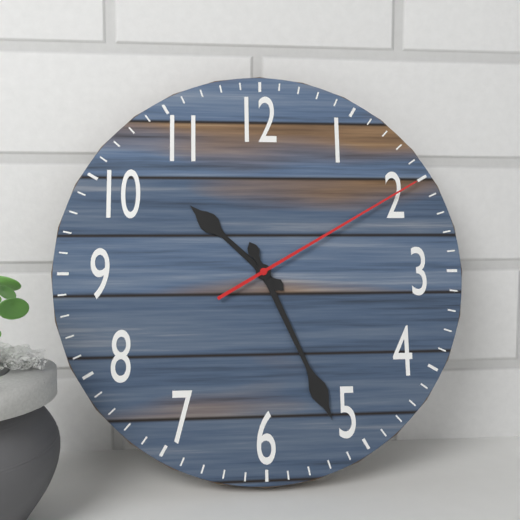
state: 10:26:10
